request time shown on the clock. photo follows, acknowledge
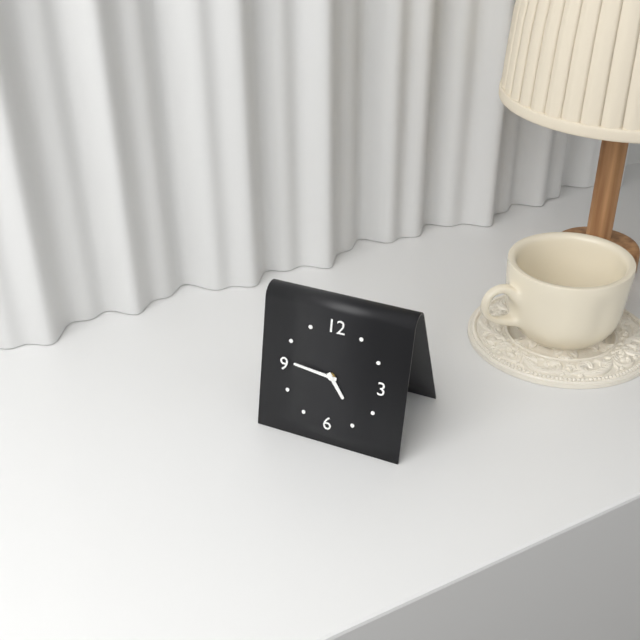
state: 4:46
